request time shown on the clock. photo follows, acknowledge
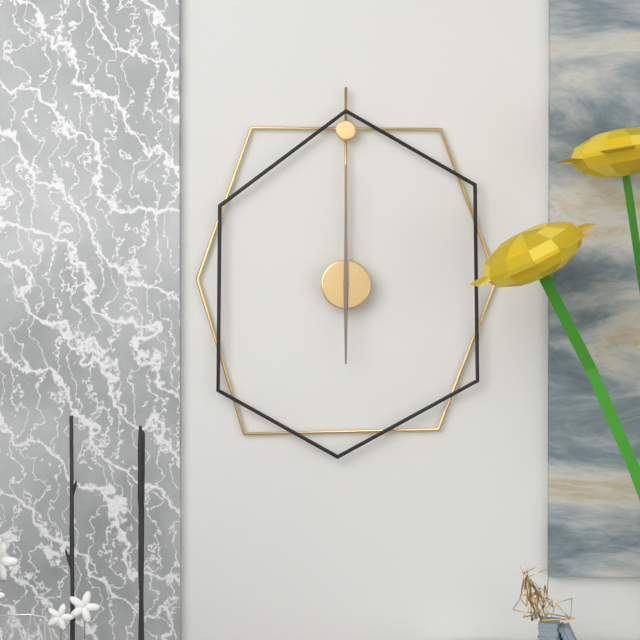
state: 6:00
